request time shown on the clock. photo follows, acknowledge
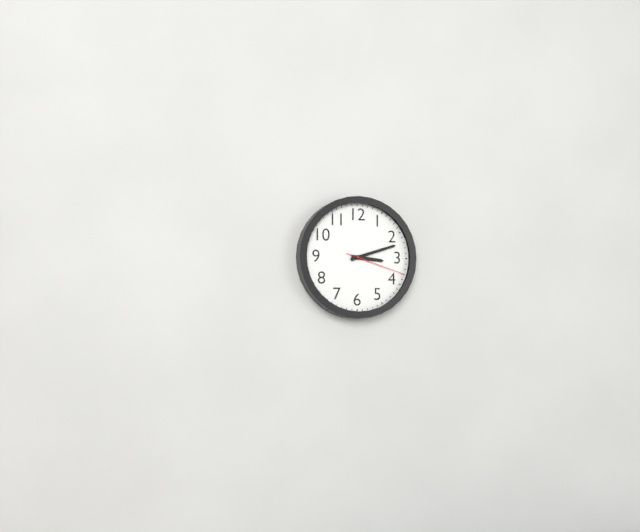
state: 3:12:18
